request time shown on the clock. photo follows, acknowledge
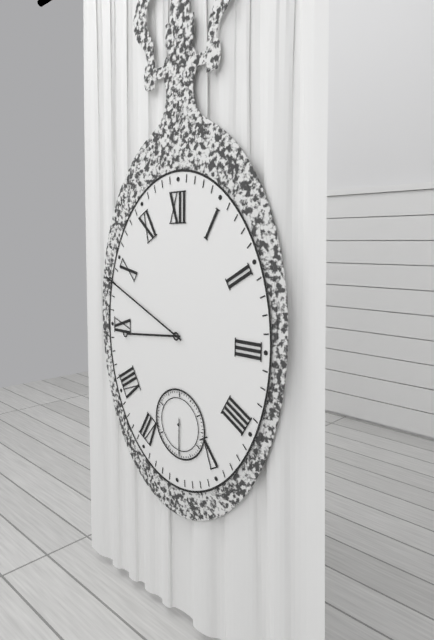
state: 8:49
